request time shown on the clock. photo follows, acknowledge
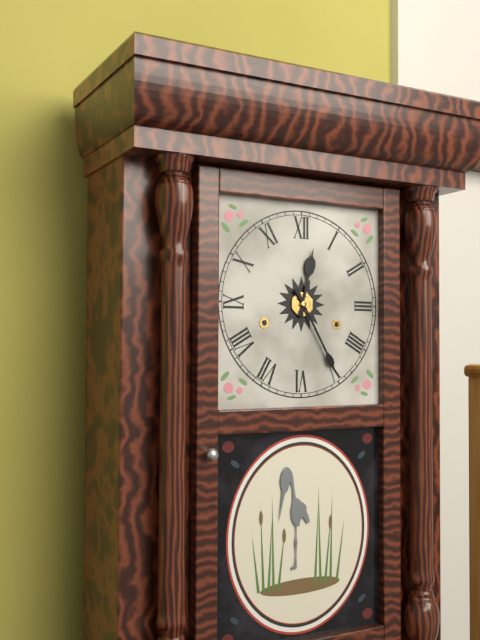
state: 12:25
